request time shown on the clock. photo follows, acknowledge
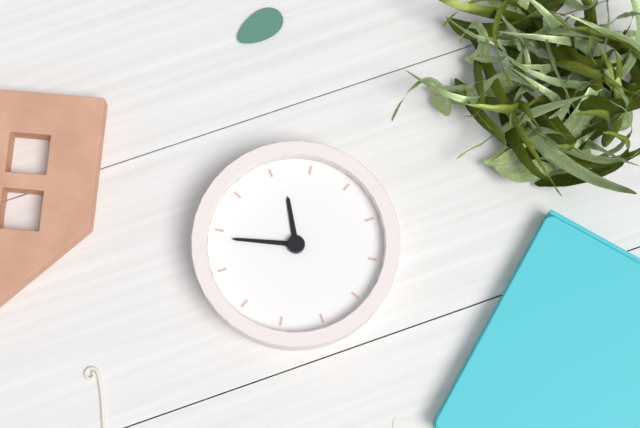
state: 6:19
